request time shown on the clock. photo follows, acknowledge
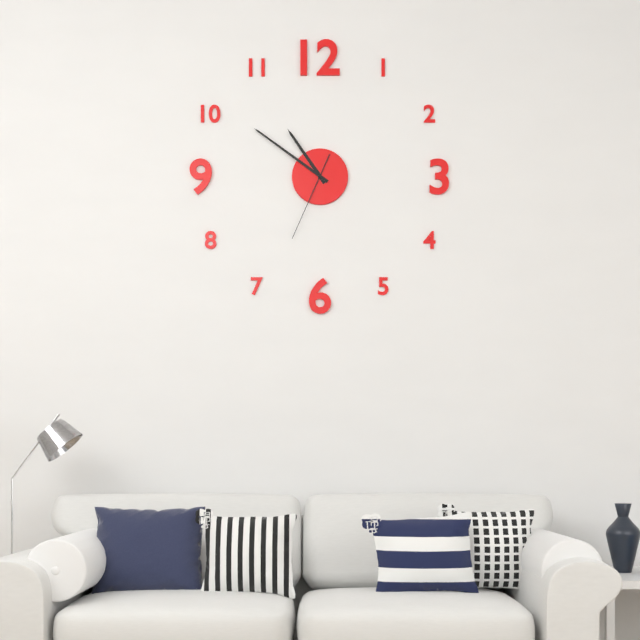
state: 10:51:34
